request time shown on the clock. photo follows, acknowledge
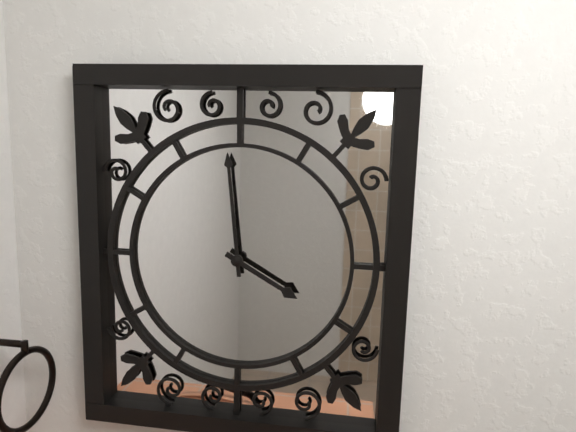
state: 3:59
